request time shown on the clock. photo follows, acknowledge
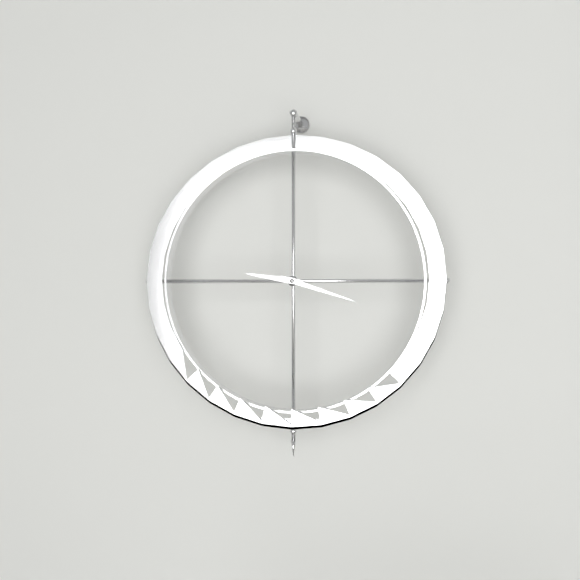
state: 9:18
